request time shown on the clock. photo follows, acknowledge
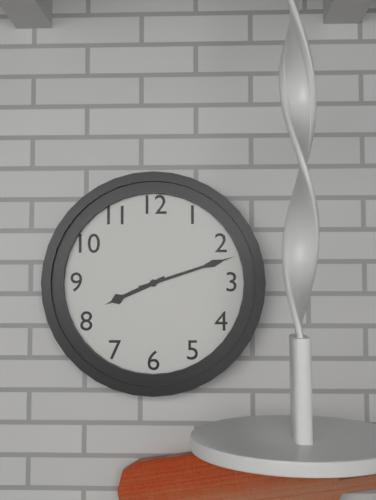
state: 8:12
